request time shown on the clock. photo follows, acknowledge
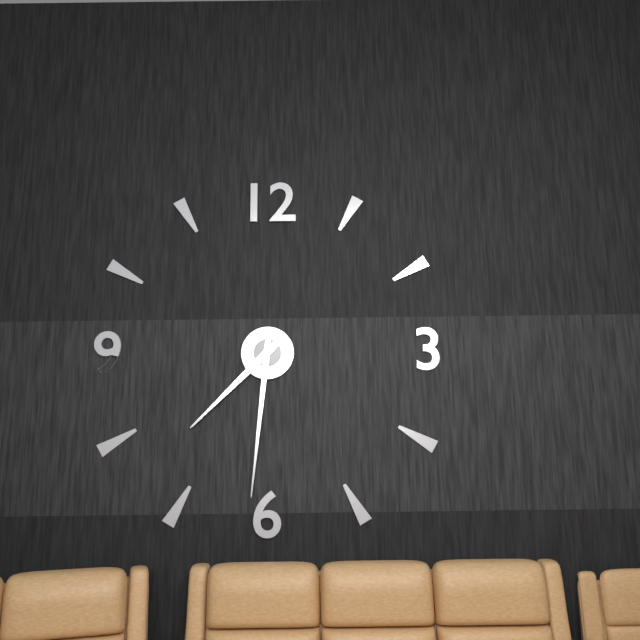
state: 7:31
